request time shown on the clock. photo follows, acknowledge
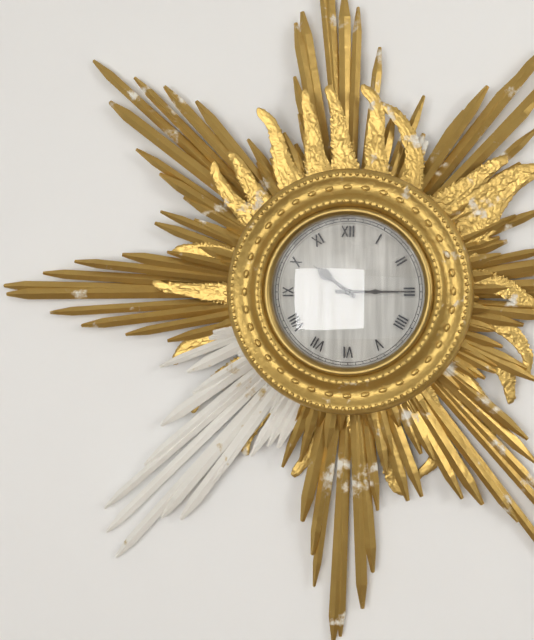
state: 10:15
